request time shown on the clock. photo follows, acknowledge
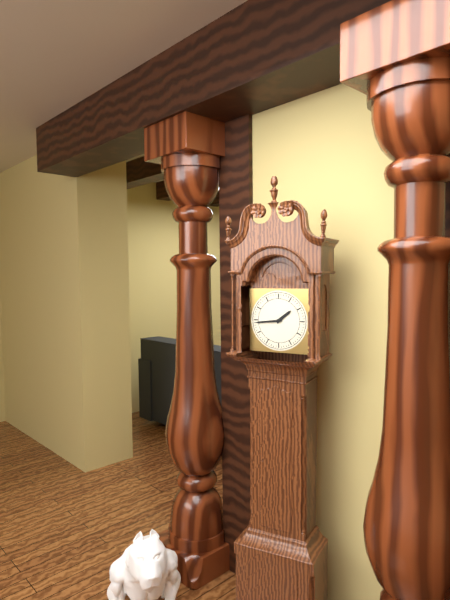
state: 1:44
